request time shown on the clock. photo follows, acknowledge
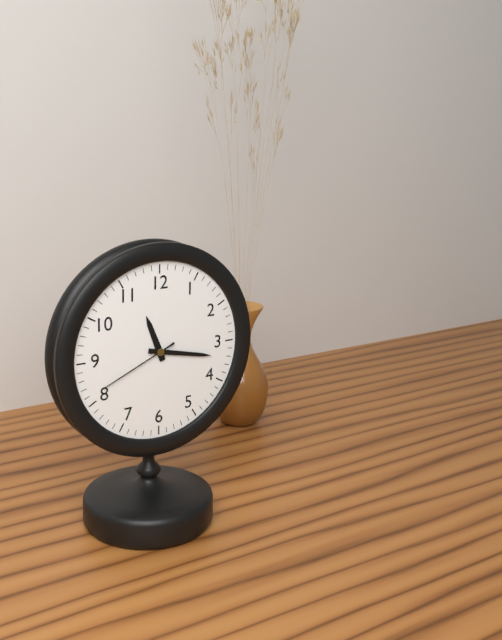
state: 11:17:41
